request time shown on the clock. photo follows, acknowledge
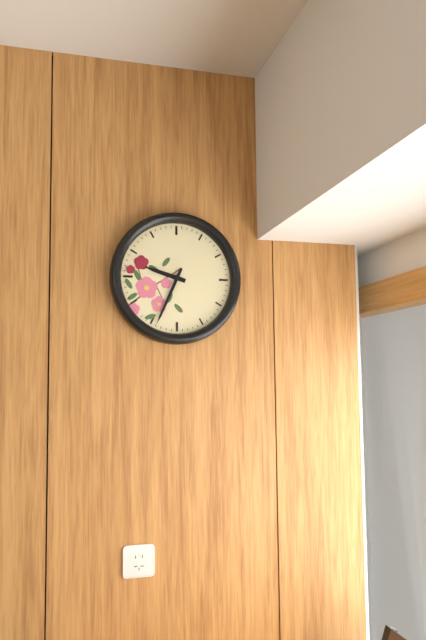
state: 9:34
